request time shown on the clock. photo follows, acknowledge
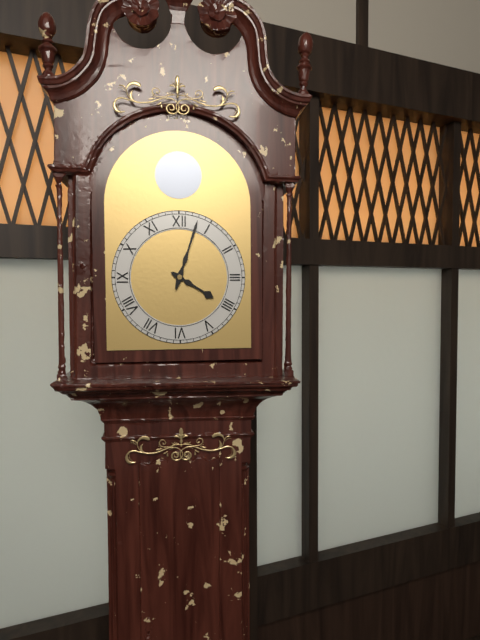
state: 4:03
